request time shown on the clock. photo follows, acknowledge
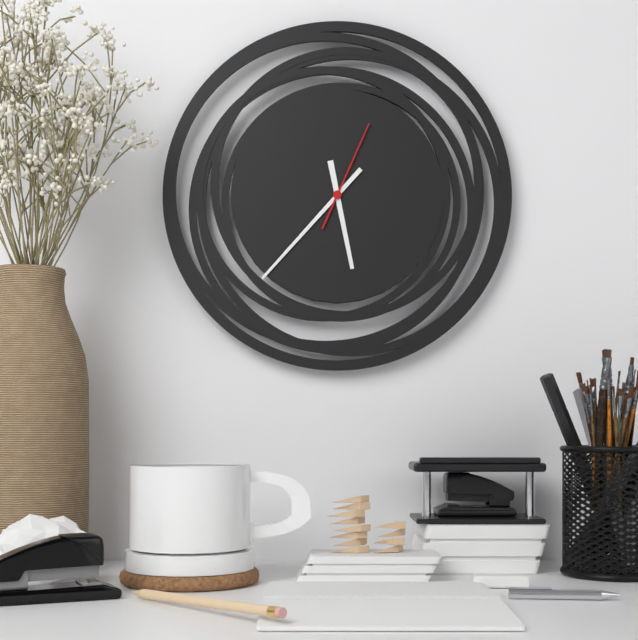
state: 5:37:04
